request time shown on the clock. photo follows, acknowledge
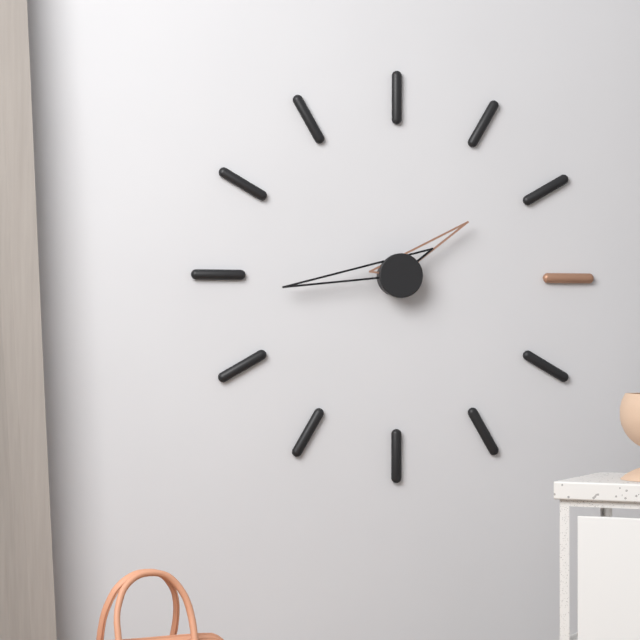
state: 1:44
